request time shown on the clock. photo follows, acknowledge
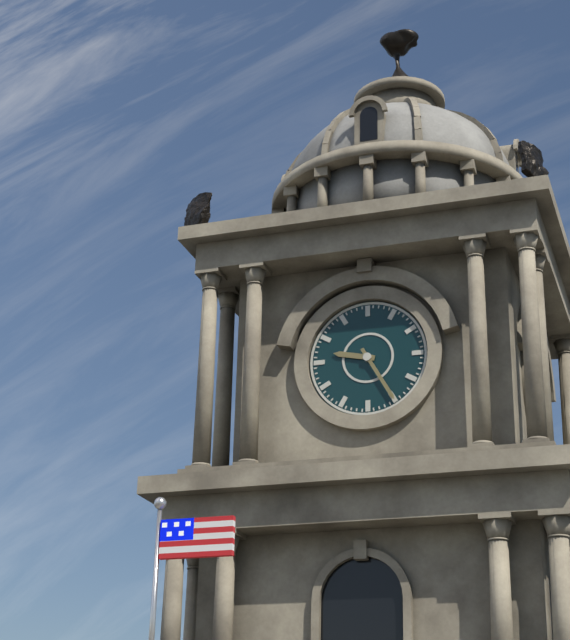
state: 9:25
